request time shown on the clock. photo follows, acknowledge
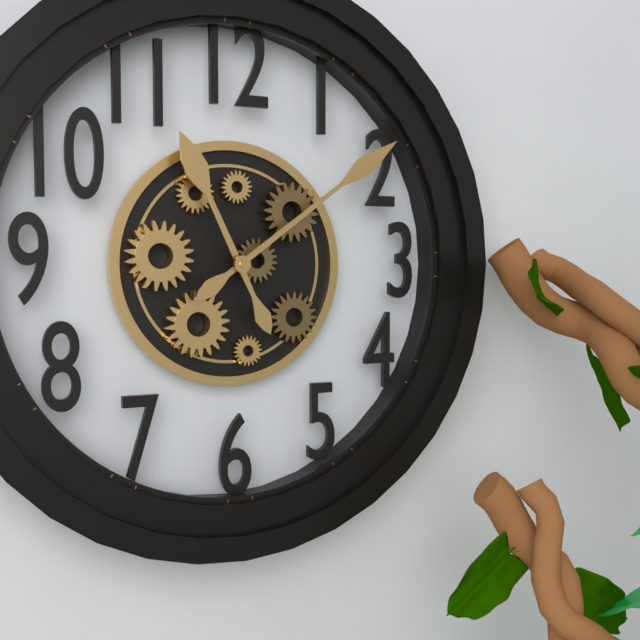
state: 11:09
